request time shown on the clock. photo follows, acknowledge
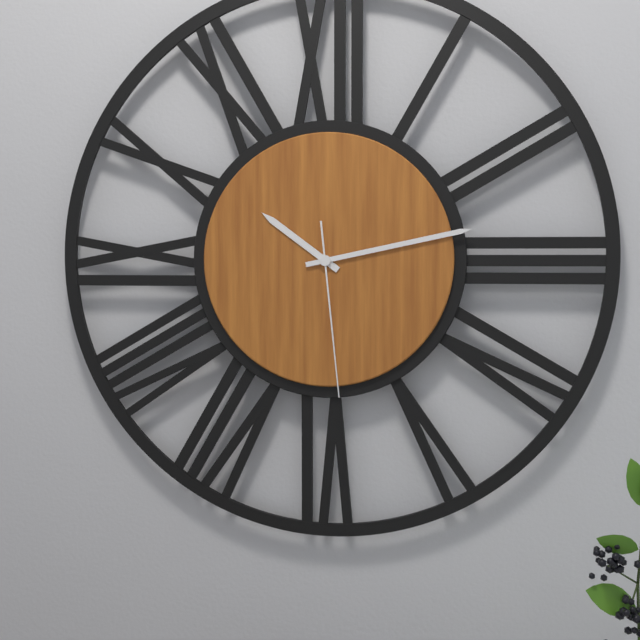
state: 10:13:29
